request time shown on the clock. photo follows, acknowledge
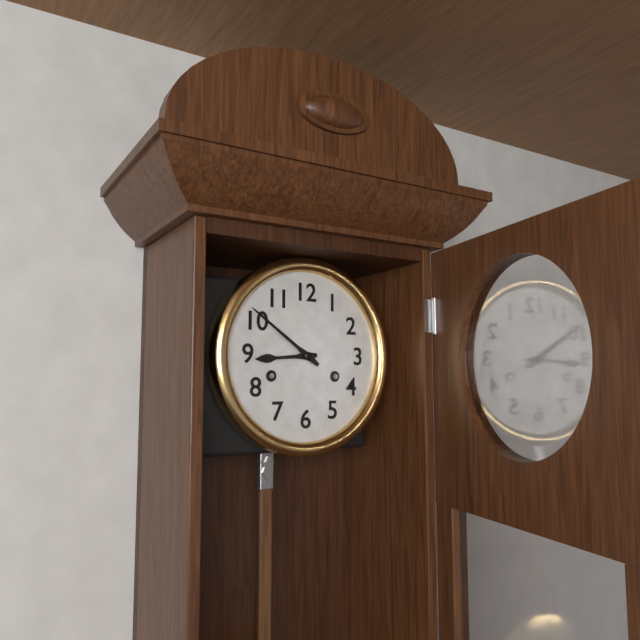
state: 8:51
